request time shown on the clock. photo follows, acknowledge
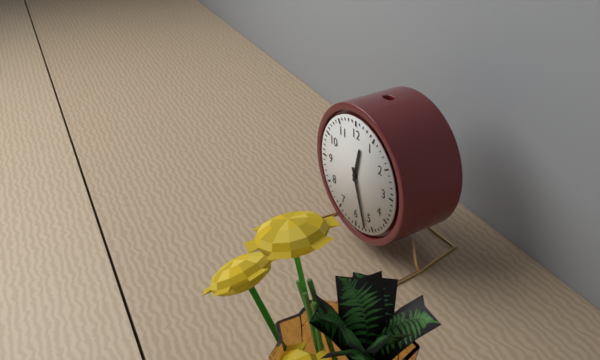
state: 12:27
